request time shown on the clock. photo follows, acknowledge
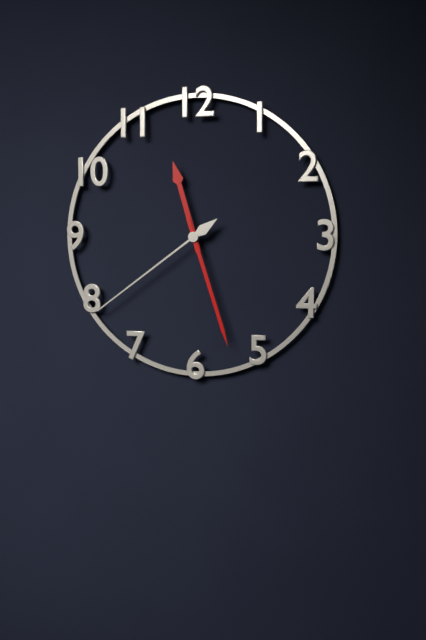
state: 11:27:39
